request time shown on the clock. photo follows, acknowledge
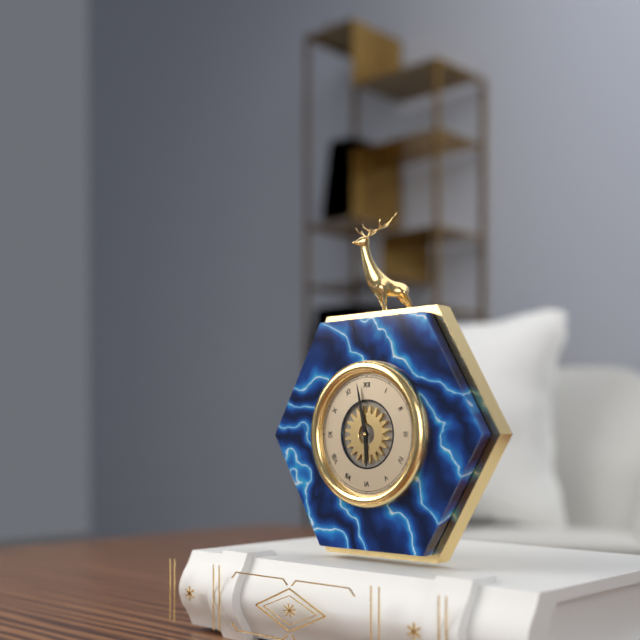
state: 5:58
